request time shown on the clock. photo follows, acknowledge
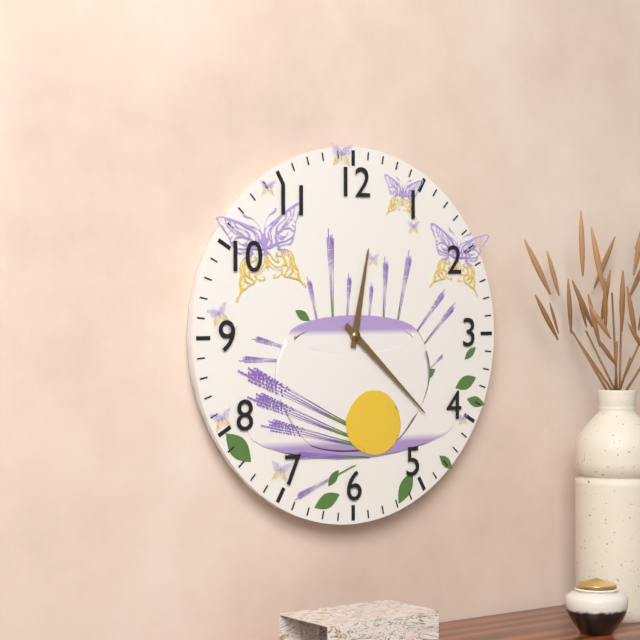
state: 12:22
